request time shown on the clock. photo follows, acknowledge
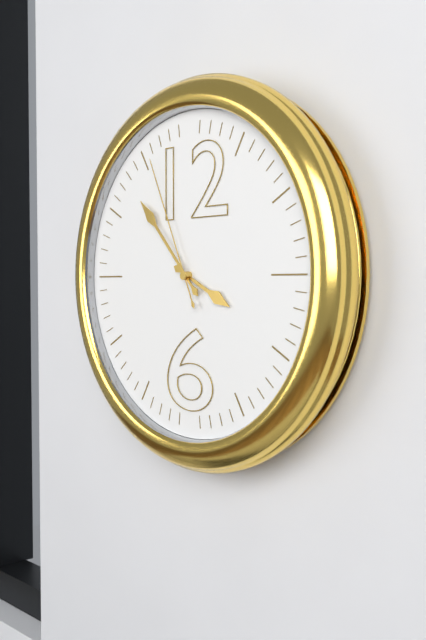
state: 3:53:56
